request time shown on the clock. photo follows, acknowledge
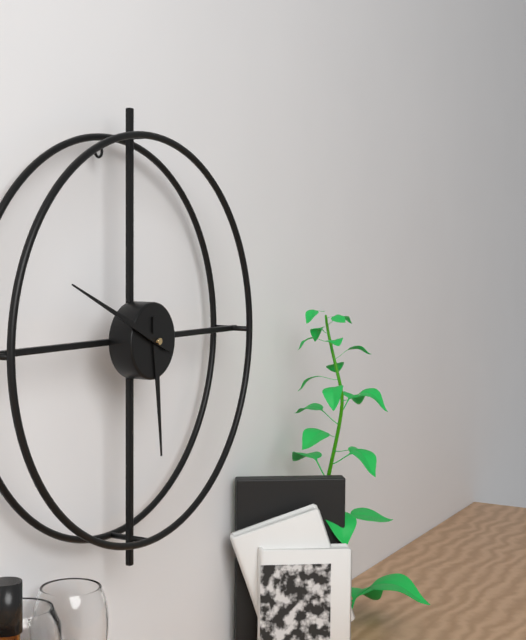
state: 5:49
